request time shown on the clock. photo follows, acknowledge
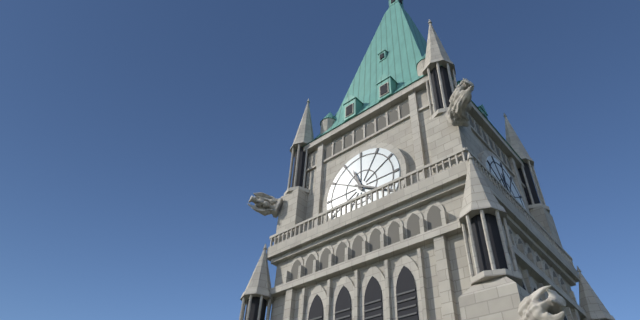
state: 11:20
